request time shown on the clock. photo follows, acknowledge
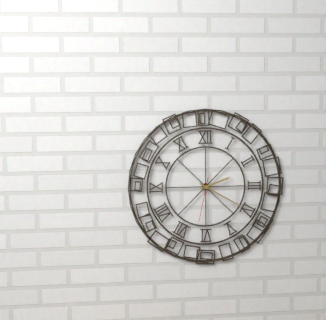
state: 2:20
